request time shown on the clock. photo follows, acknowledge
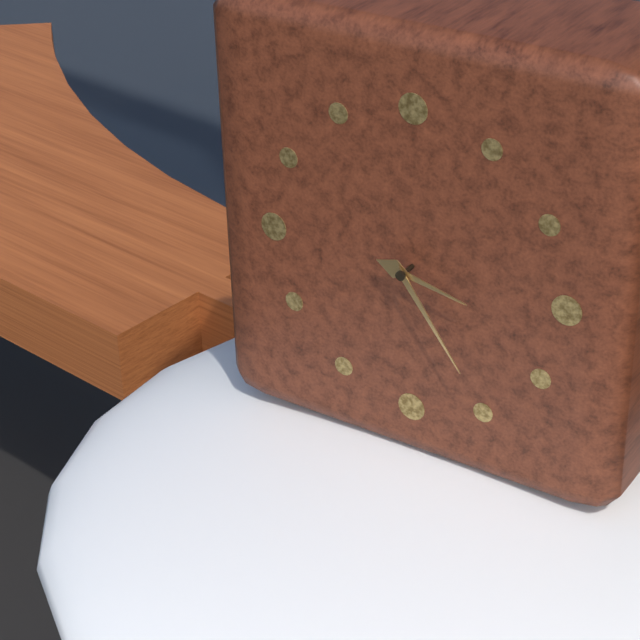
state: 3:24
